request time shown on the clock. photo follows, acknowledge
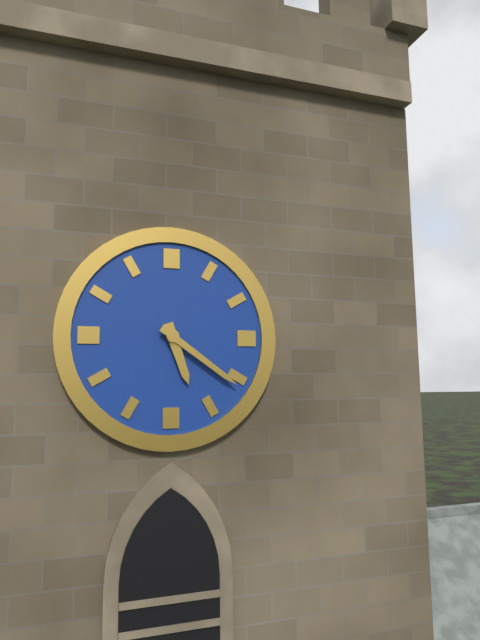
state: 5:21
